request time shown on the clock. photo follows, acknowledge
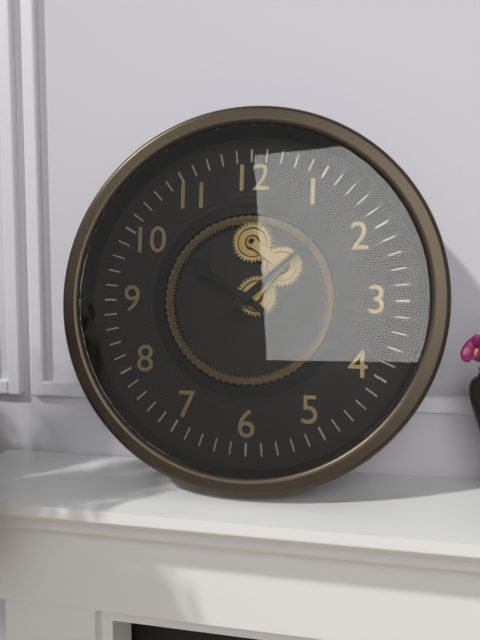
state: 10:08
